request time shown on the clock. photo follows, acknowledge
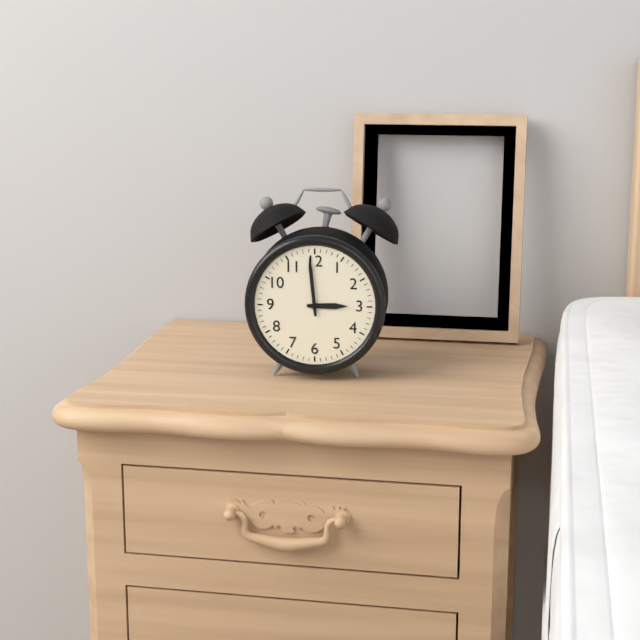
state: 2:59
